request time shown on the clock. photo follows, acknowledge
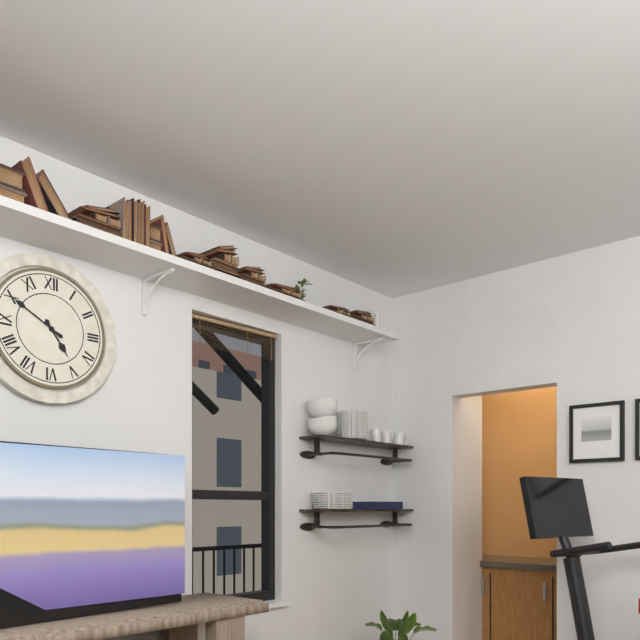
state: 4:50
